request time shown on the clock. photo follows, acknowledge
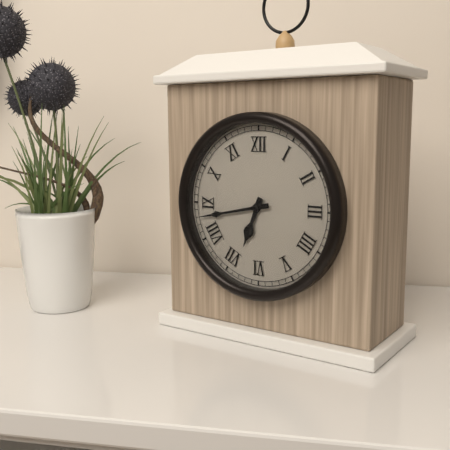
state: 6:43
